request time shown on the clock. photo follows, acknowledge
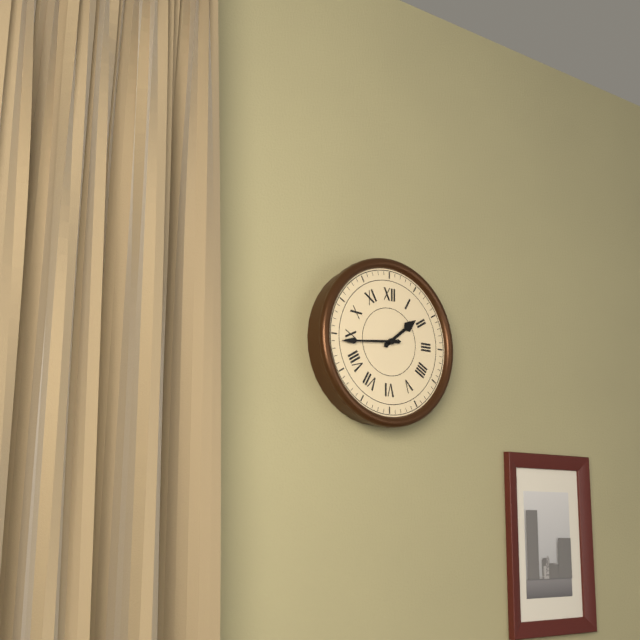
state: 1:44
